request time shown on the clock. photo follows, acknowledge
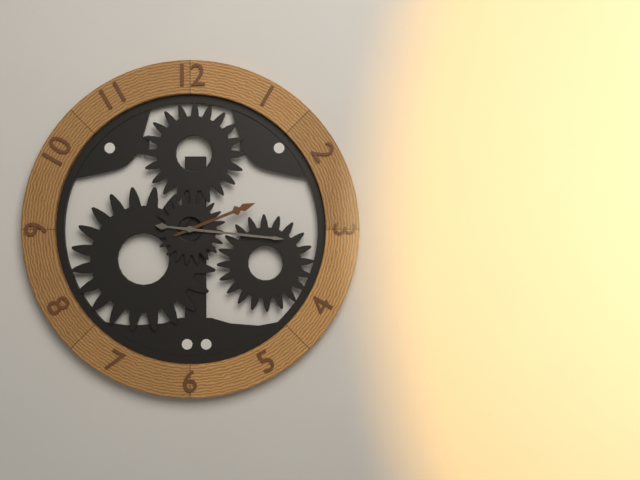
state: 2:16
